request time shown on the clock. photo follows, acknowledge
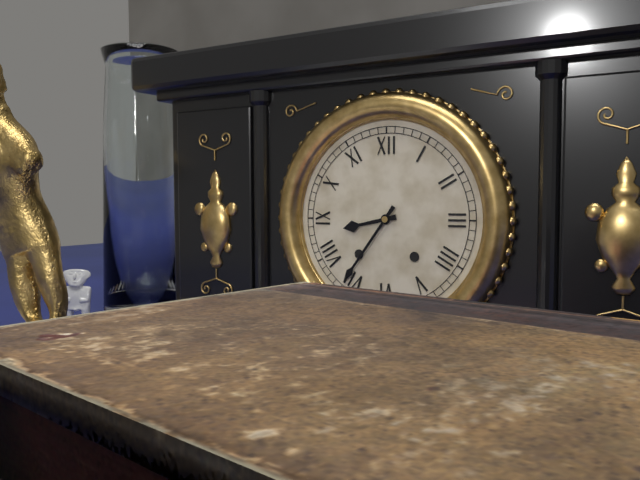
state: 8:36
